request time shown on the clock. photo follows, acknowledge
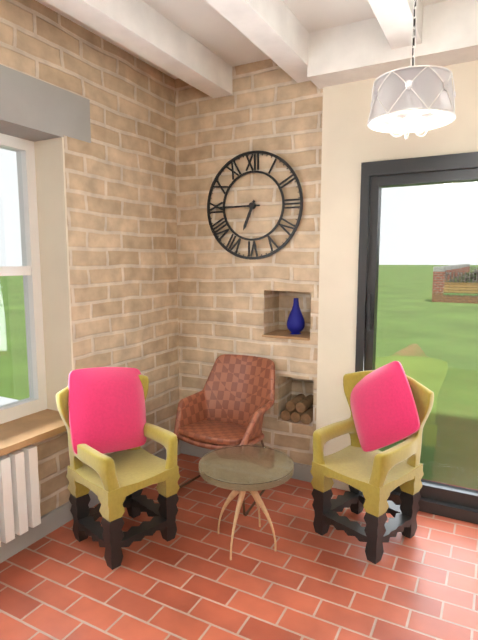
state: 6:45
